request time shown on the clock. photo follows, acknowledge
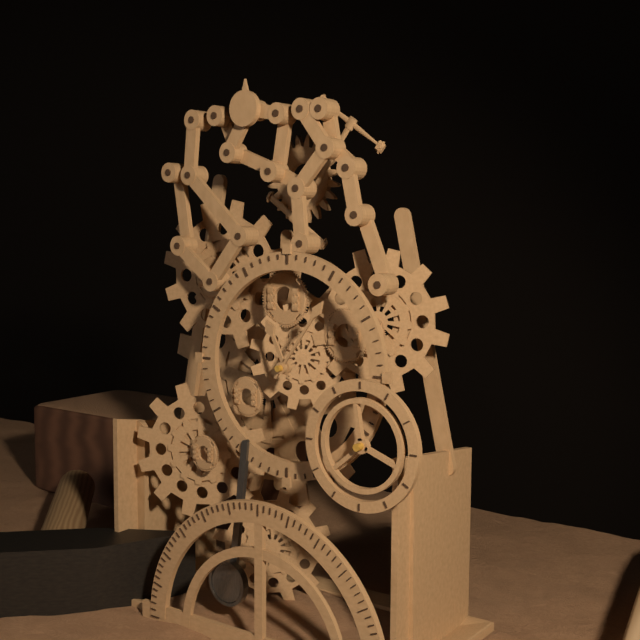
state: 11:06
